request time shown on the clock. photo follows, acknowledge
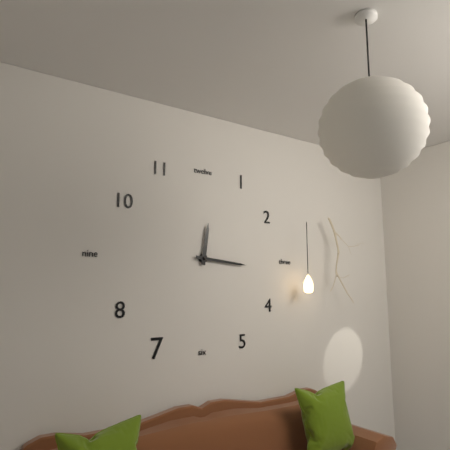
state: 12:16
